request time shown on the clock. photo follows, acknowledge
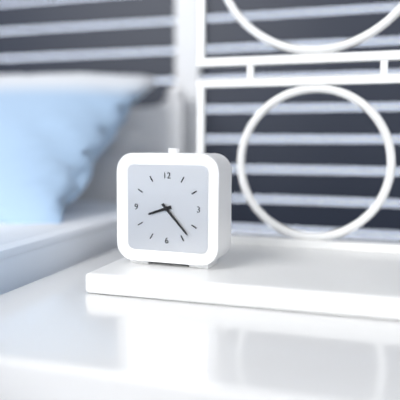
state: 8:23
